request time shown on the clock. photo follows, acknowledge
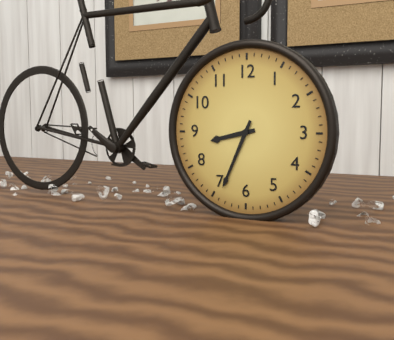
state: 8:34
